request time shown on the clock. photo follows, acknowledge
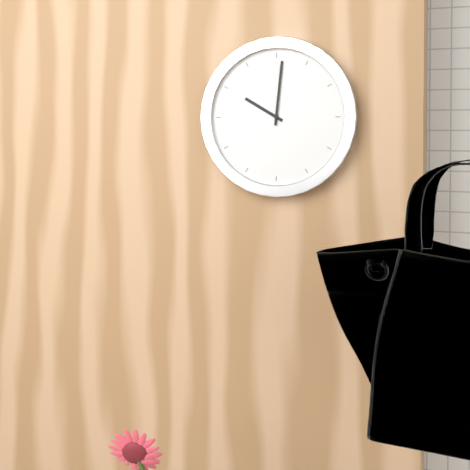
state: 10:01
